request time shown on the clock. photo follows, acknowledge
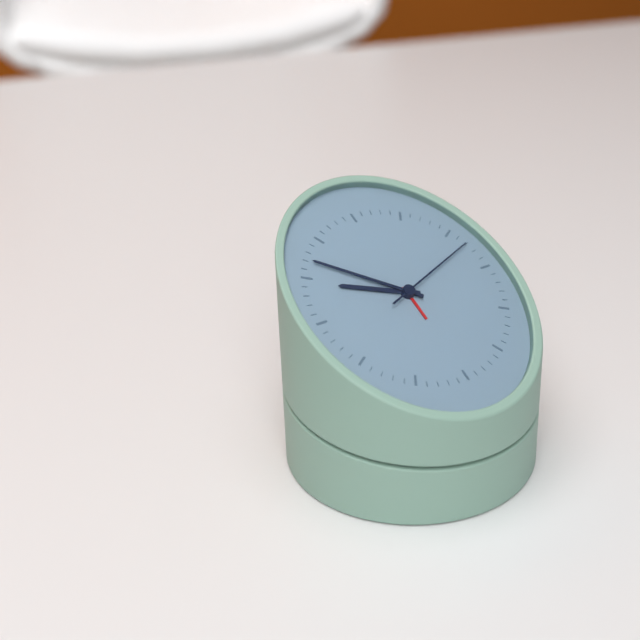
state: 9:52:12
